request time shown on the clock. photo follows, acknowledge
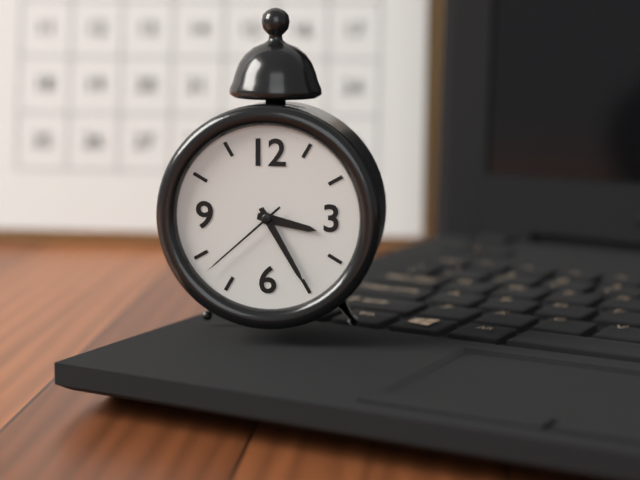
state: 3:25:38
